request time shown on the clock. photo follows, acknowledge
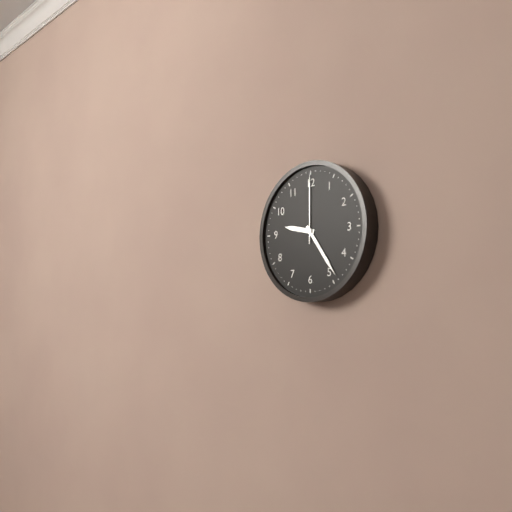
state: 9:24:00
